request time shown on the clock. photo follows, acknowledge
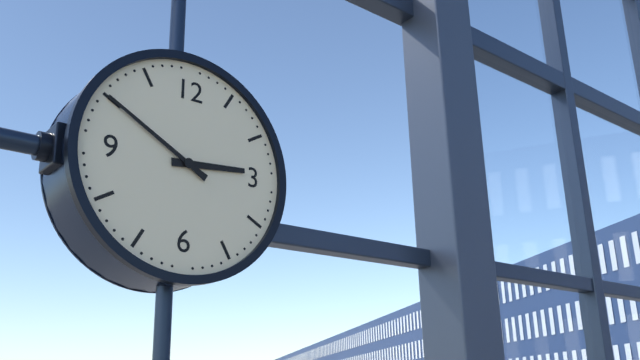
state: 2:50
